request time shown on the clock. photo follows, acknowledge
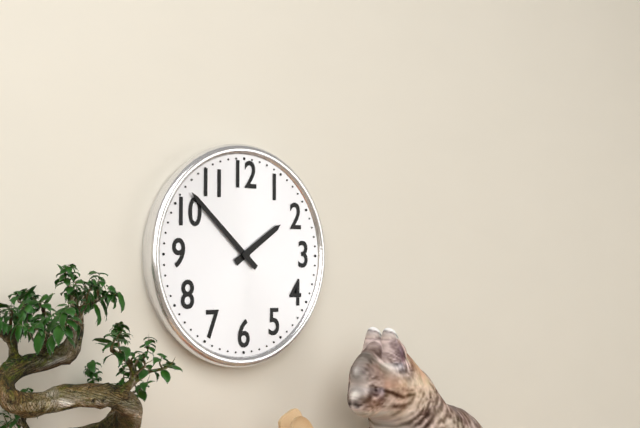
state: 1:52
